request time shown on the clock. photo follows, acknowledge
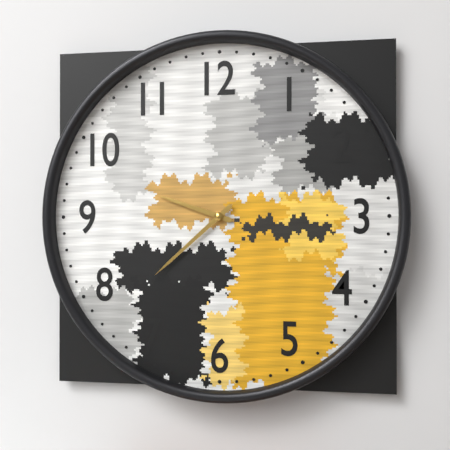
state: 9:38
